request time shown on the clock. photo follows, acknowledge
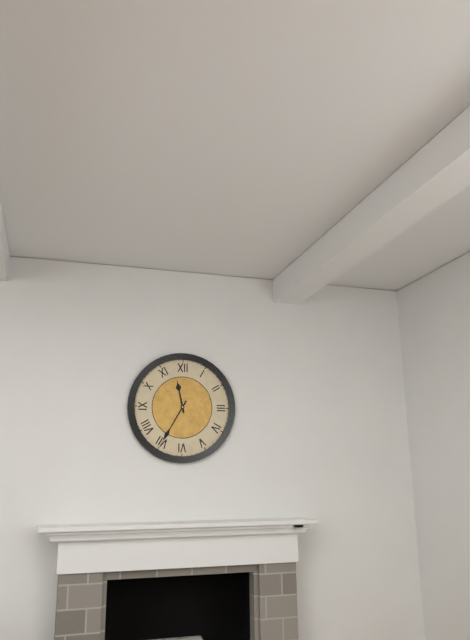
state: 11:35
